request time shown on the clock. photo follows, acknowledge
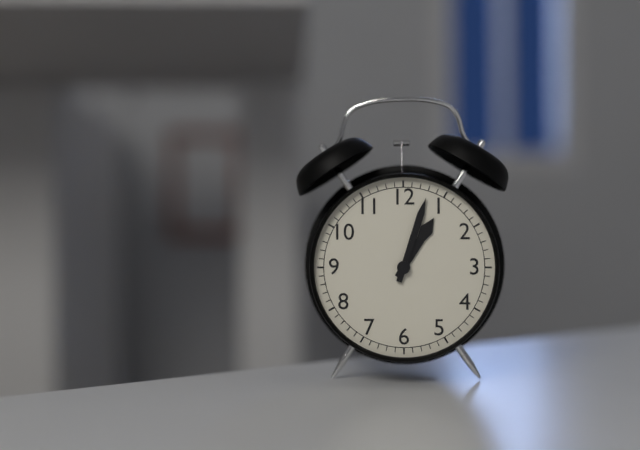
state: 1:03
